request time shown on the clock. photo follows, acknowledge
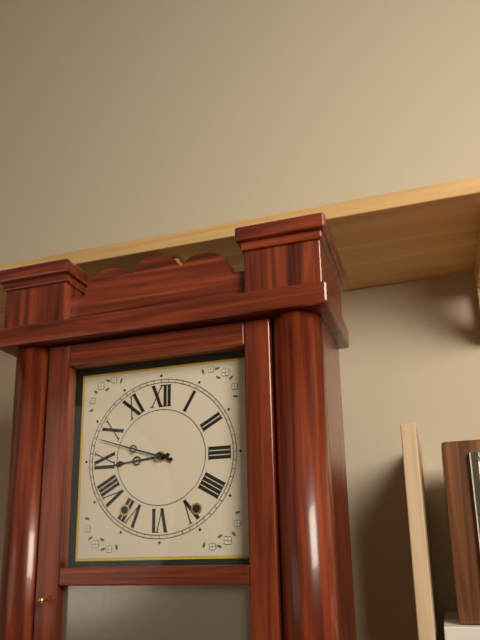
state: 8:48
